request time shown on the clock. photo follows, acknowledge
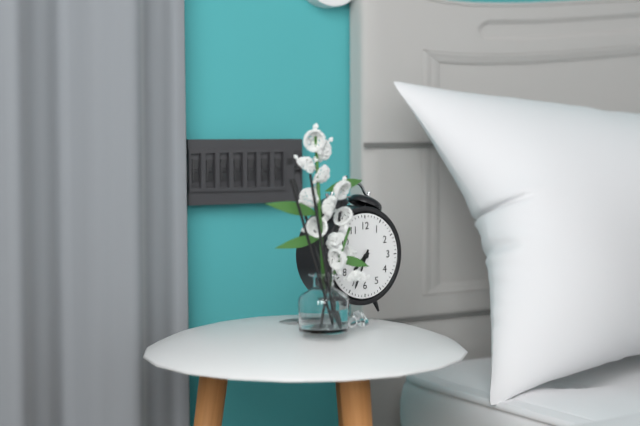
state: 7:34
